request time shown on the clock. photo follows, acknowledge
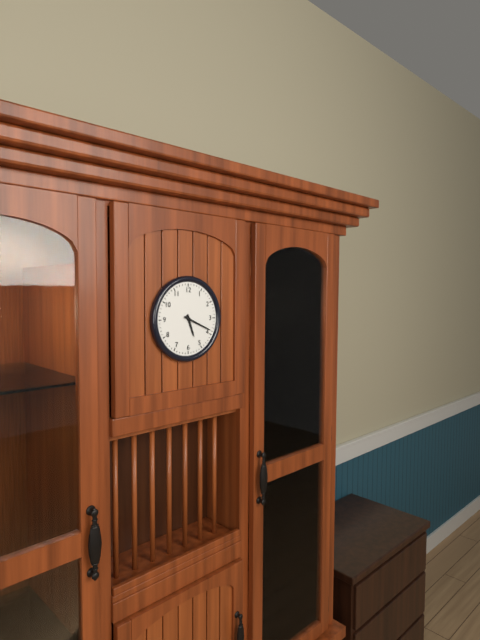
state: 5:19
